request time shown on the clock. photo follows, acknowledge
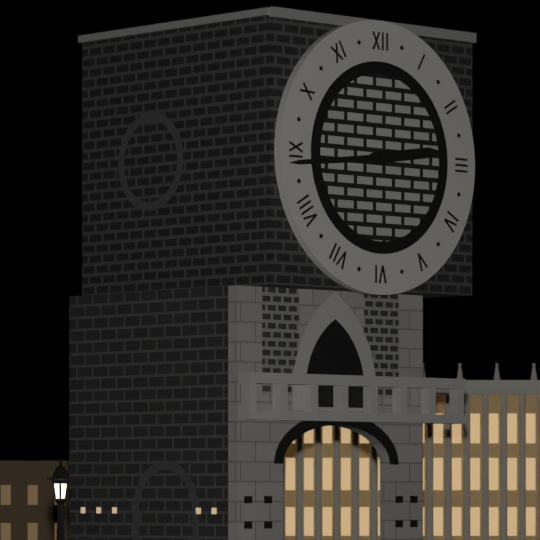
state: 2:44
